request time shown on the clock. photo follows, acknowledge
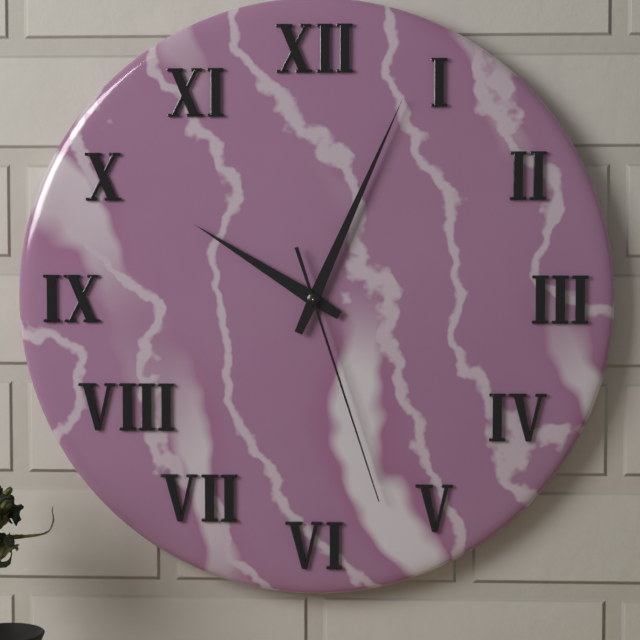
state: 10:04:27
